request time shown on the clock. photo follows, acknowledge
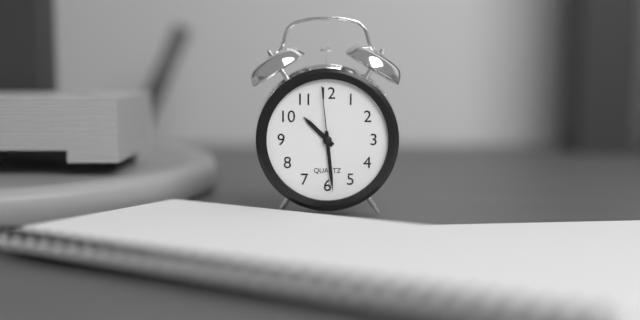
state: 10:29:59
